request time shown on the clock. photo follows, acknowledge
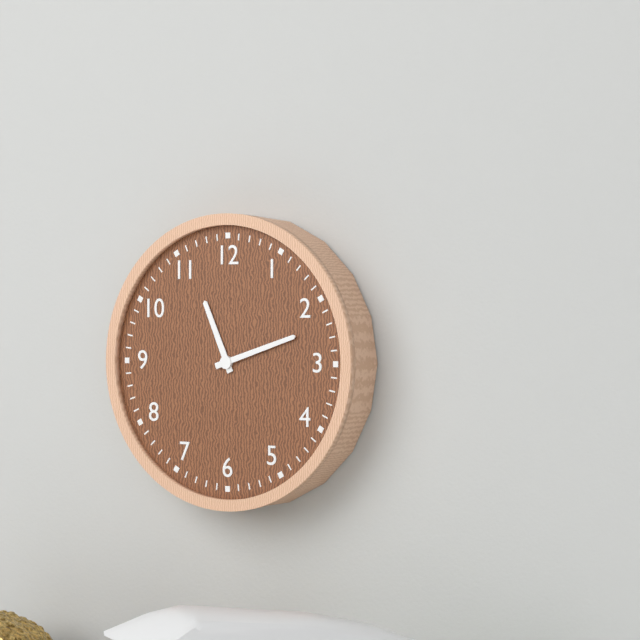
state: 11:12
